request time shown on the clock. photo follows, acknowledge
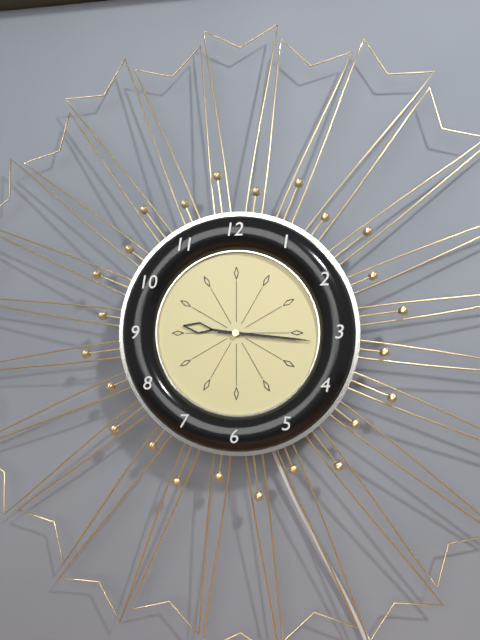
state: 9:16
